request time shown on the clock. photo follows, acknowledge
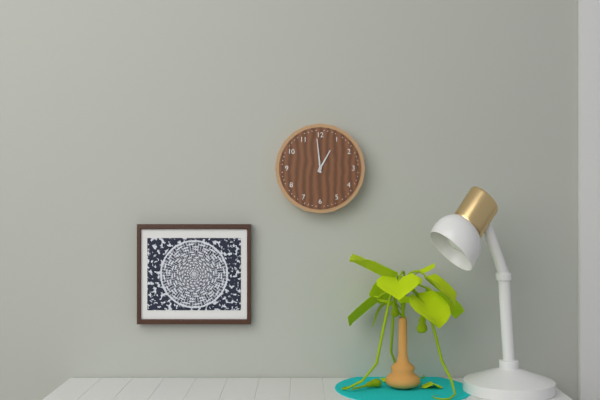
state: 12:59
